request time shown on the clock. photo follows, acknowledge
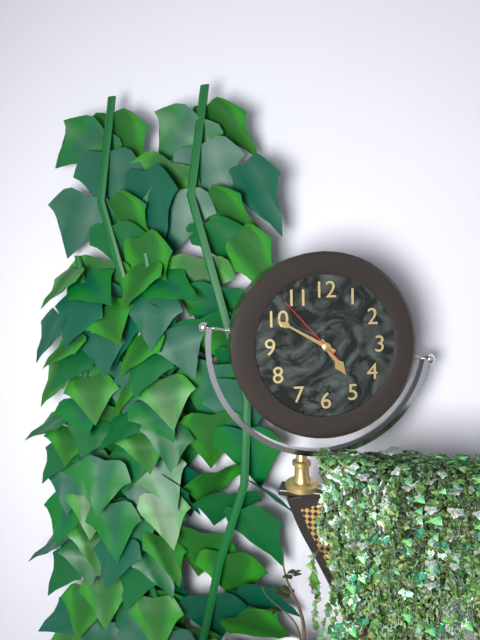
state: 4:50:53
